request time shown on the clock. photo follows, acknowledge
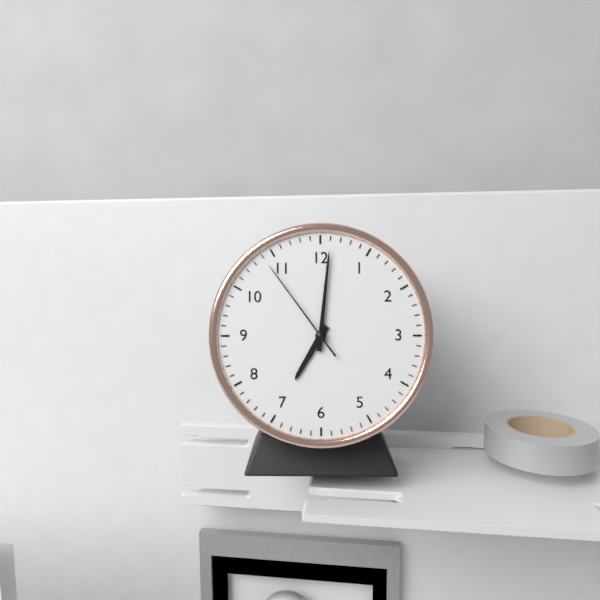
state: 7:01:54
